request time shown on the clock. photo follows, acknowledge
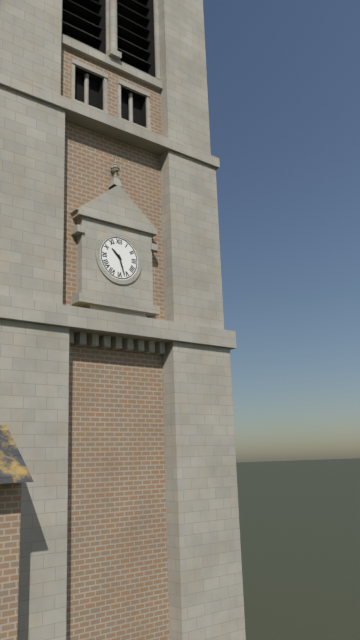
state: 10:27
